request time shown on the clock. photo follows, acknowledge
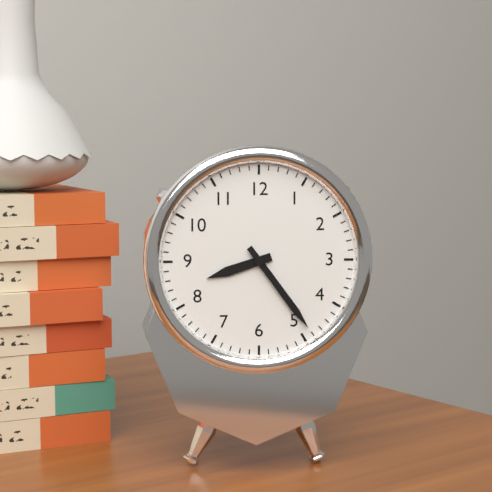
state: 8:24
